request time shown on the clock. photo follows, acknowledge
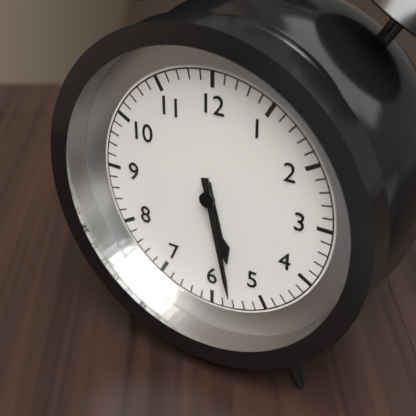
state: 5:28
